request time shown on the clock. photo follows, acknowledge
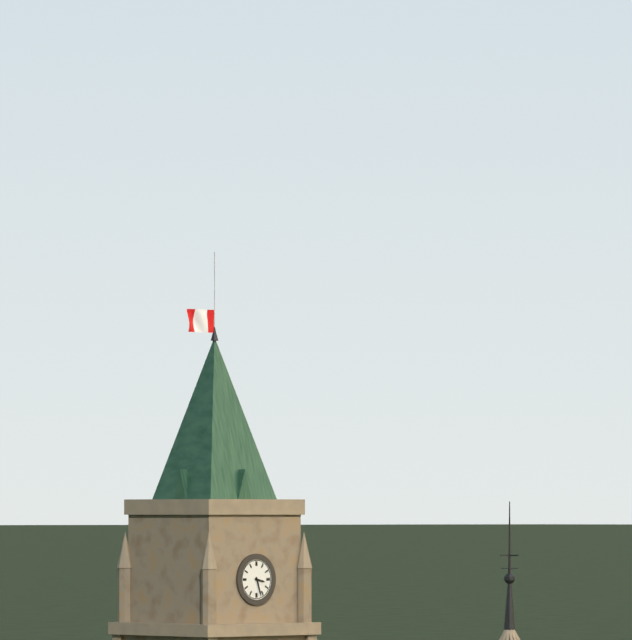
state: 3:27
